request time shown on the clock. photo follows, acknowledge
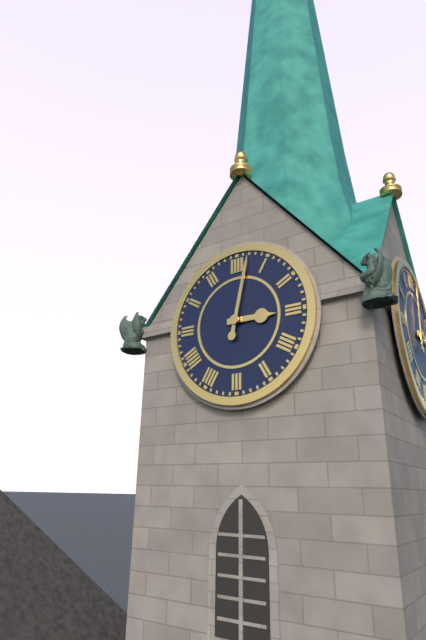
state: 3:02
